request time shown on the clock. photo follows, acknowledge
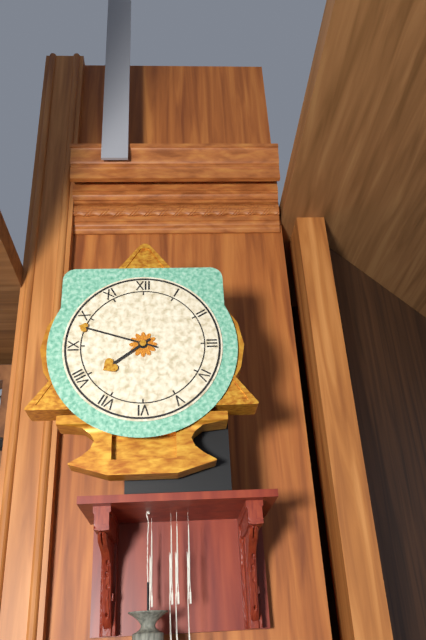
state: 7:48
